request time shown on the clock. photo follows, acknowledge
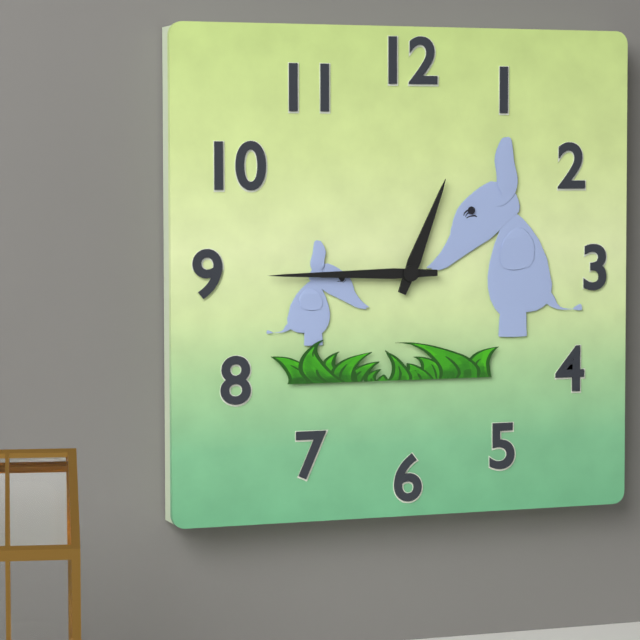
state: 12:45
